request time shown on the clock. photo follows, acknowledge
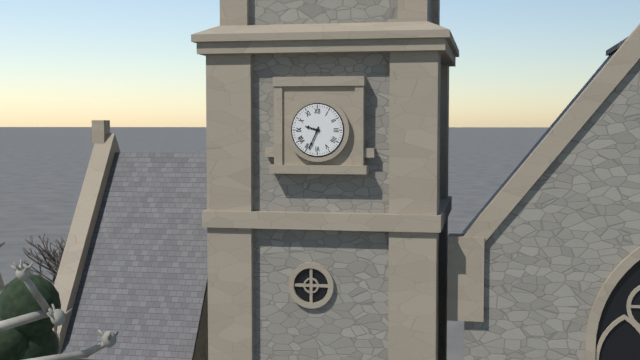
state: 9:34
